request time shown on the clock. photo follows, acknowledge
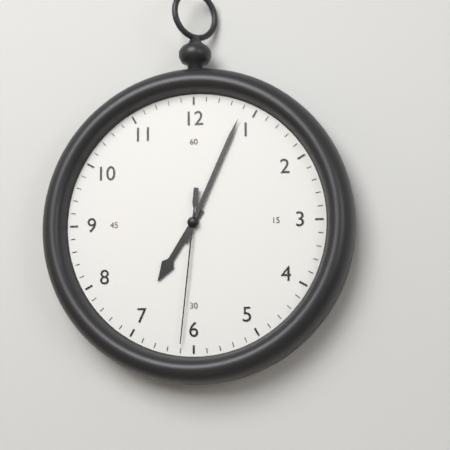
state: 7:04:31
